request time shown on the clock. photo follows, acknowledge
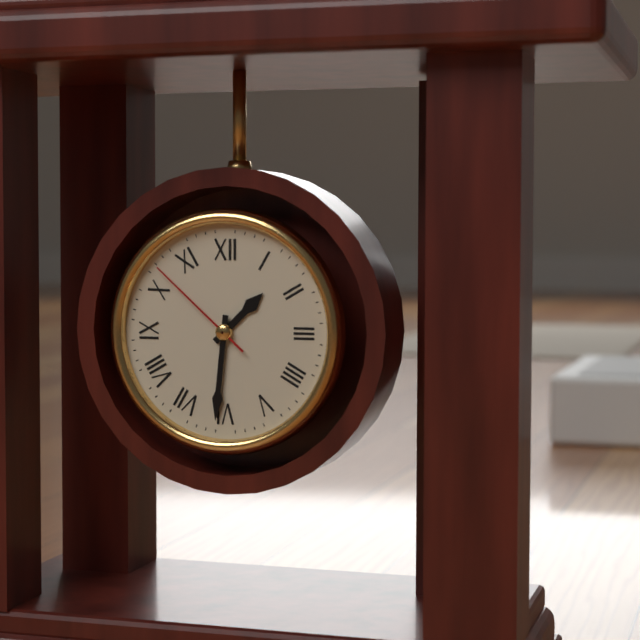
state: 1:31:52
